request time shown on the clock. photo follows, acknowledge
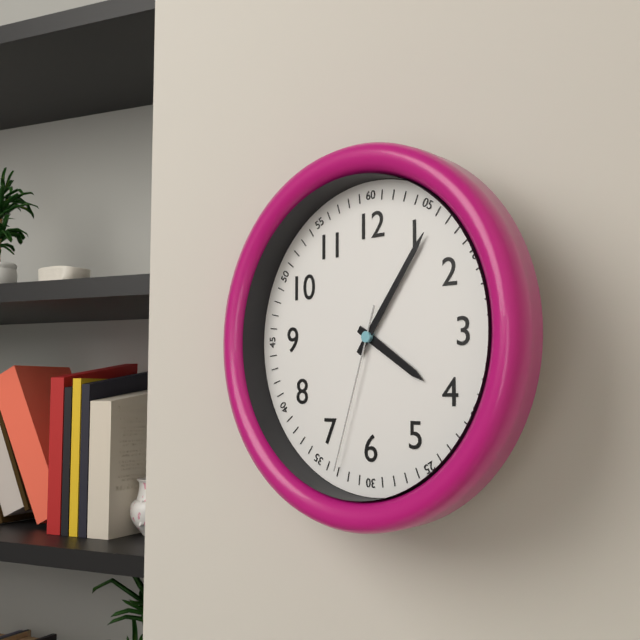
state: 4:06:33
